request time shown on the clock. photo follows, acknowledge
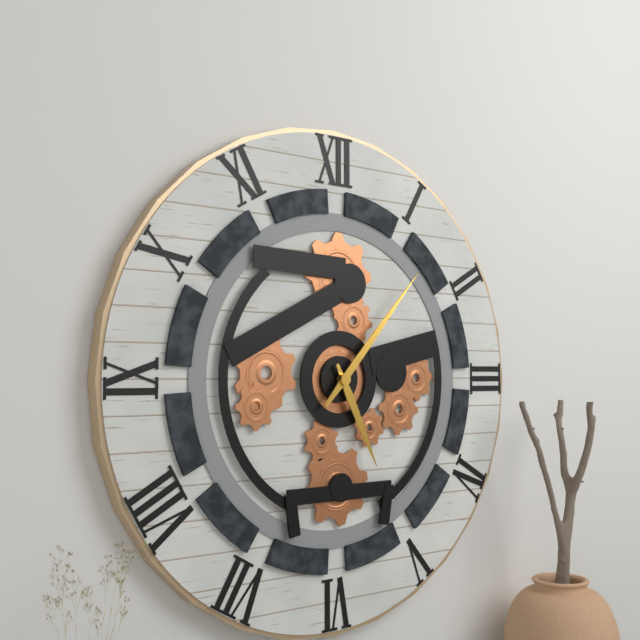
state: 5:07
